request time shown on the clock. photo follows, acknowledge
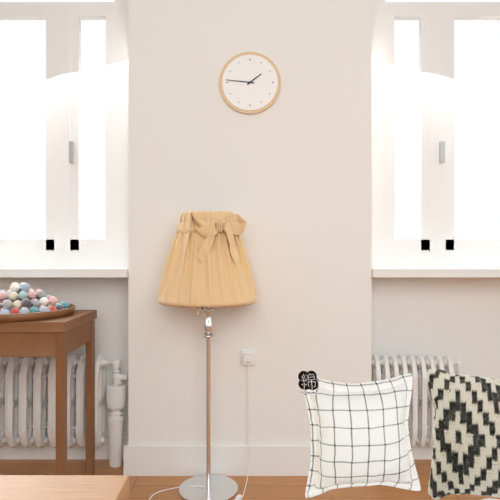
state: 1:46
